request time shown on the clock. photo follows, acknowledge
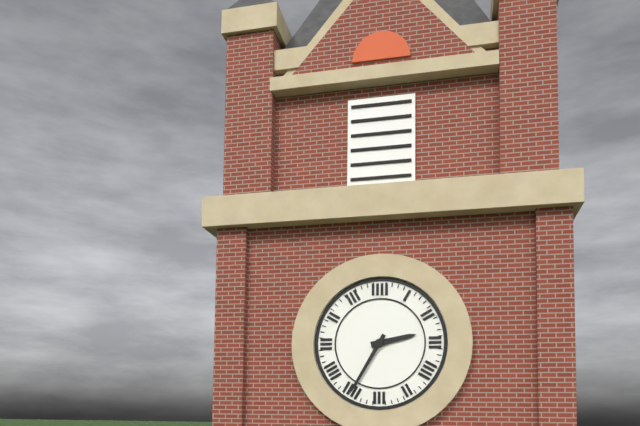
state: 2:35
